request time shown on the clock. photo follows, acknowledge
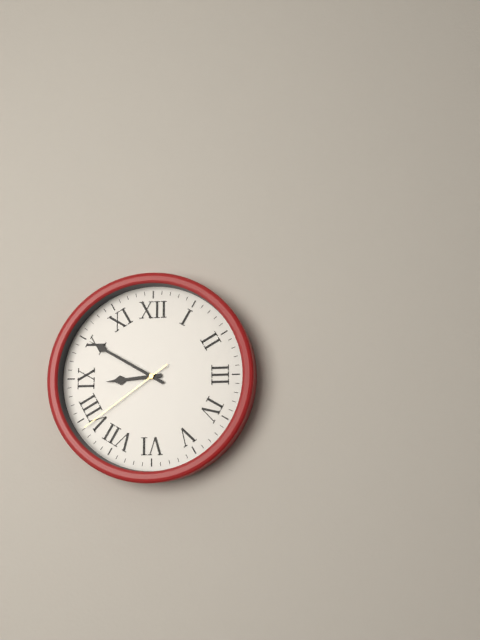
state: 8:50:39
